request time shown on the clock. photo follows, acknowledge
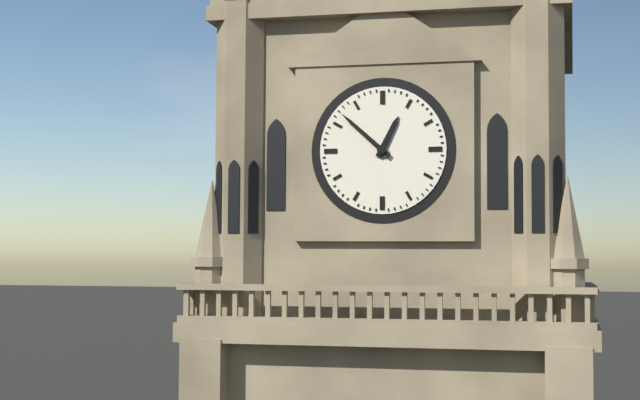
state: 12:52
